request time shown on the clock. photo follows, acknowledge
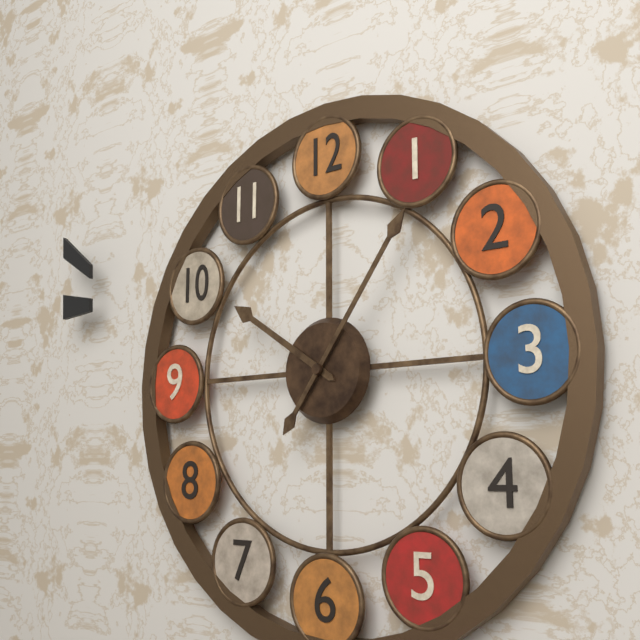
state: 10:06
